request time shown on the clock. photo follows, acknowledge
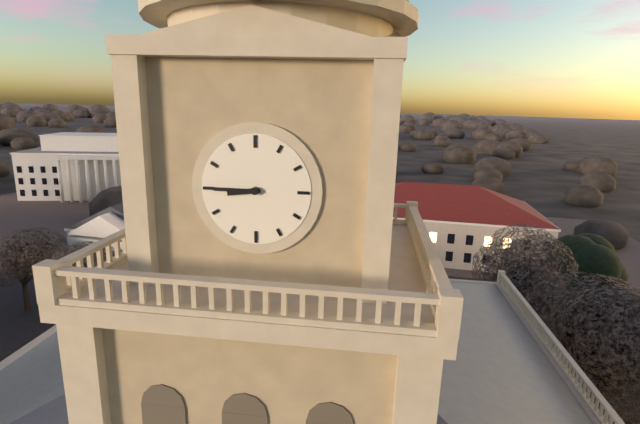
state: 8:45
